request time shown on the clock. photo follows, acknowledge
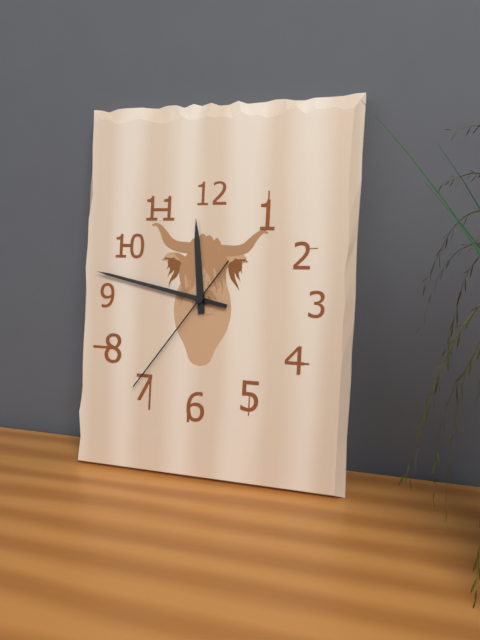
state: 11:47:36
